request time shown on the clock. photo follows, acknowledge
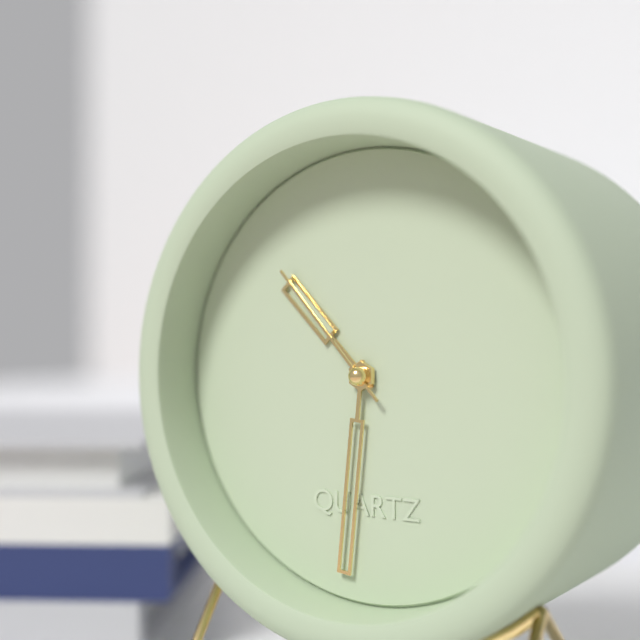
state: 10:31:53
